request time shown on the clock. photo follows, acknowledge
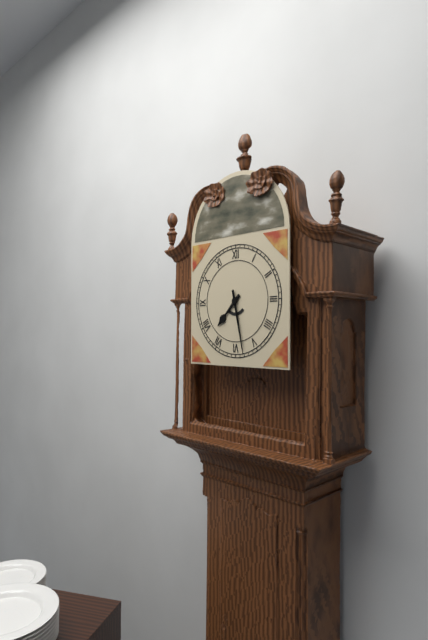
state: 7:28
